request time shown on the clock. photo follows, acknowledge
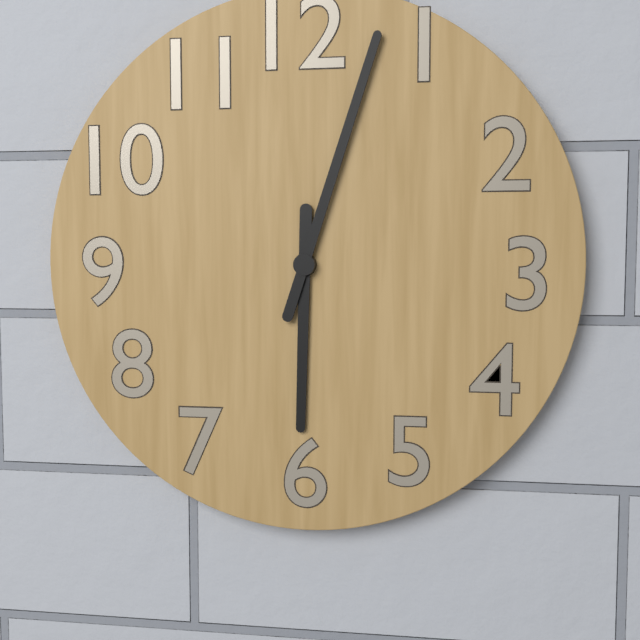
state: 6:03
